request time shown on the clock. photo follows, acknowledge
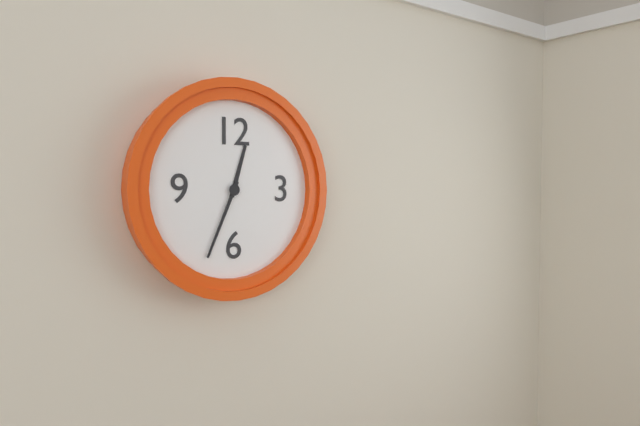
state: 12:34
